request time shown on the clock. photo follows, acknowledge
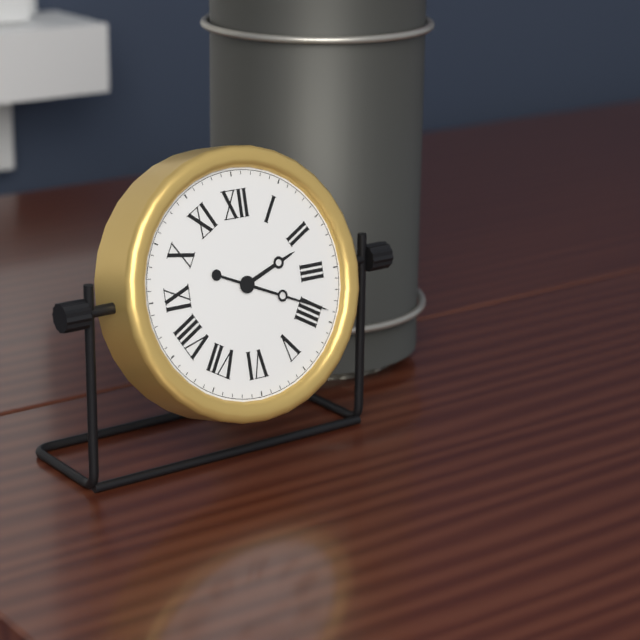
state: 2:19
